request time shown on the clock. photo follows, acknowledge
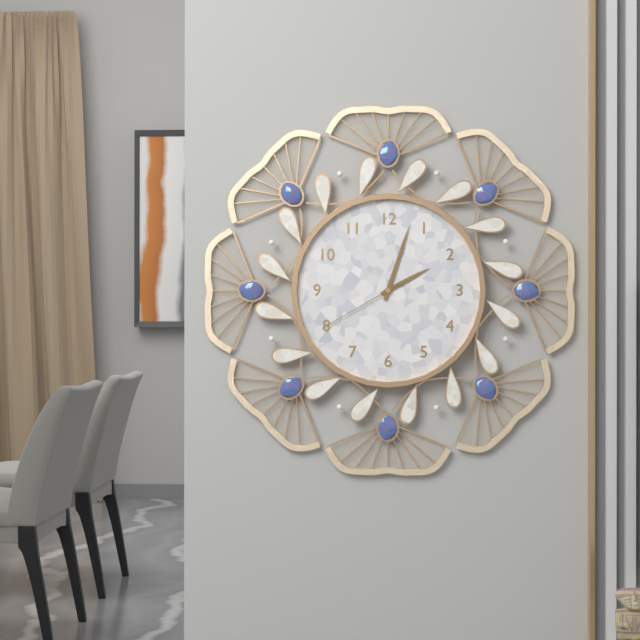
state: 2:03:40
